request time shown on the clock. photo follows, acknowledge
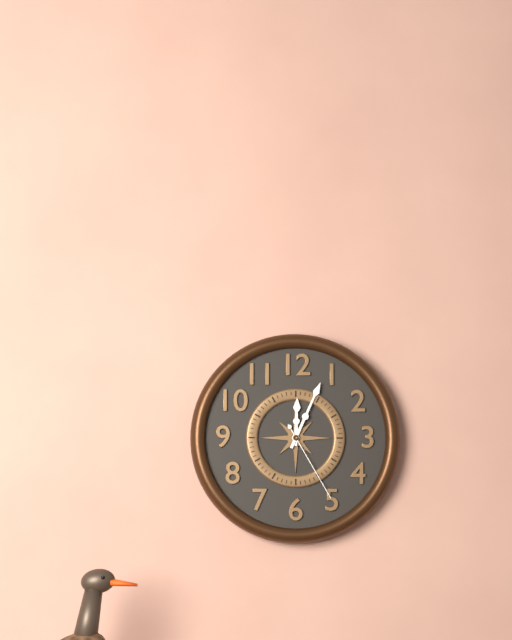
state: 12:04:25
